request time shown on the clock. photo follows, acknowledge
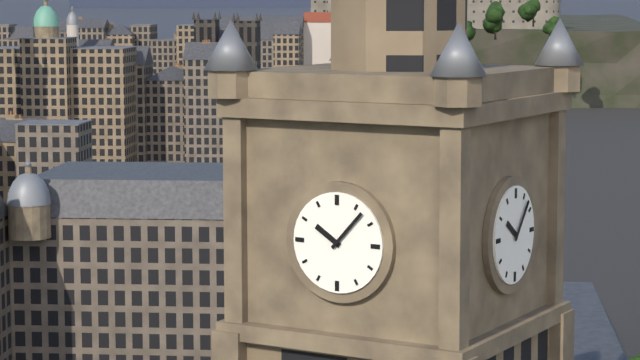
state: 10:07
